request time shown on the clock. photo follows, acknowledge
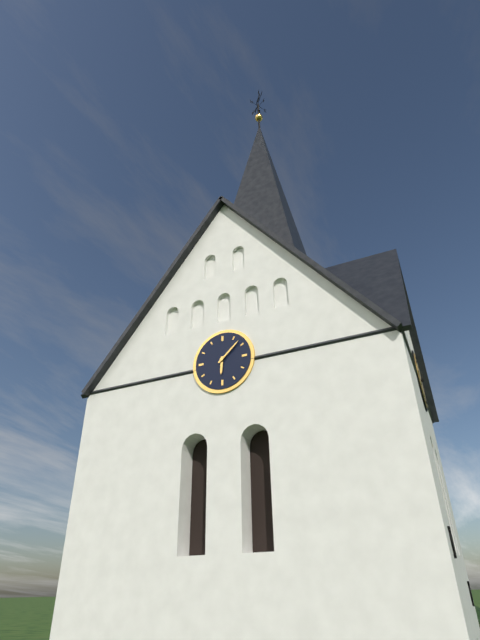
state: 6:08
